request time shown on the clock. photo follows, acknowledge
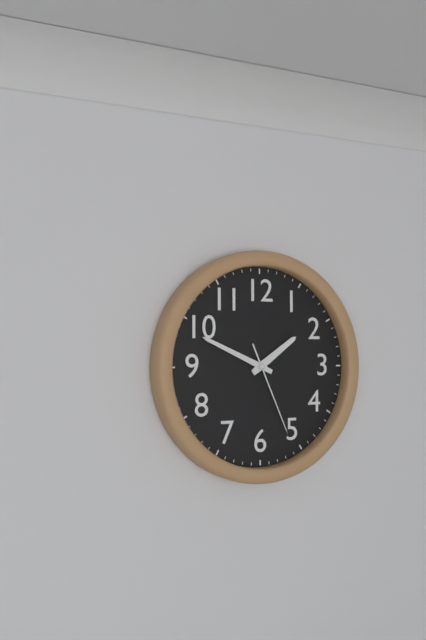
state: 1:49:26
